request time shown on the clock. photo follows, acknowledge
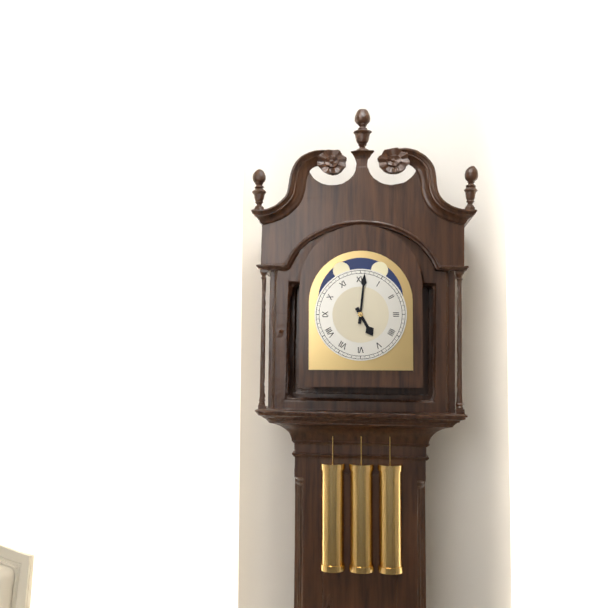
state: 5:01
